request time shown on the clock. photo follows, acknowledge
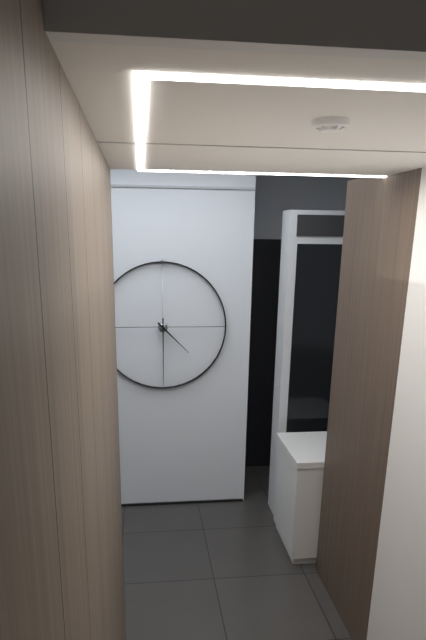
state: 4:30
